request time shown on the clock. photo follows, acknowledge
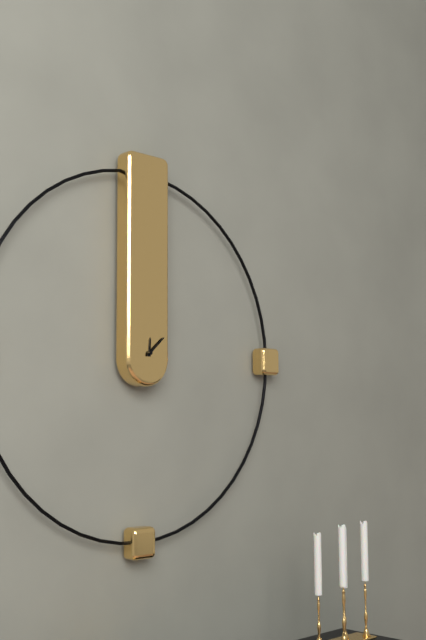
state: 12:08
